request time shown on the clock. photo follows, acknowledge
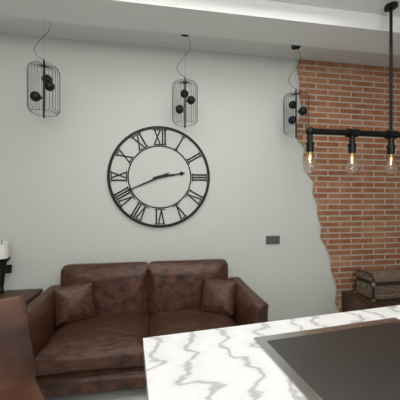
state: 2:41
